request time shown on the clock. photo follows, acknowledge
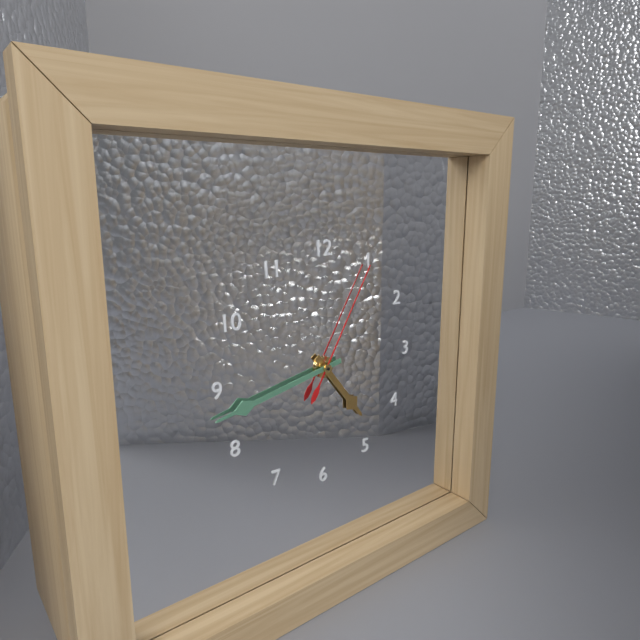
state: 4:43:05
